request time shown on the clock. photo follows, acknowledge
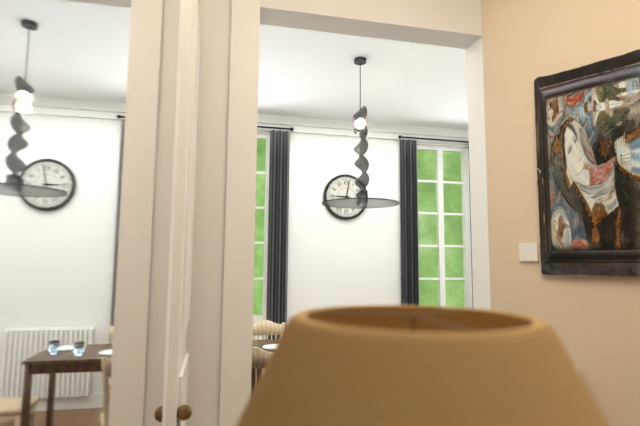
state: 9:02
